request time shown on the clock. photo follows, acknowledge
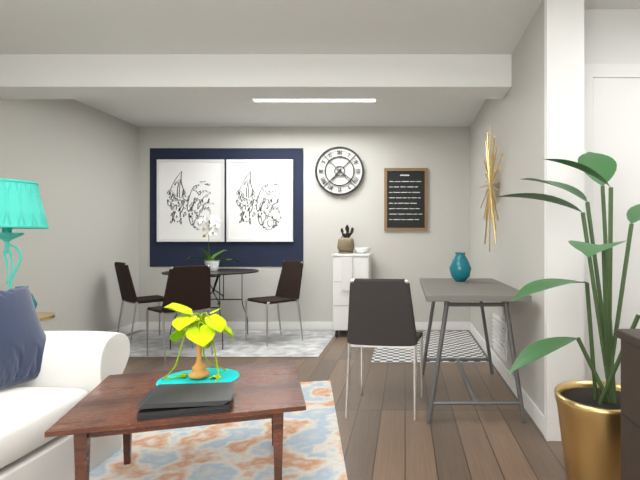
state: 7:21
